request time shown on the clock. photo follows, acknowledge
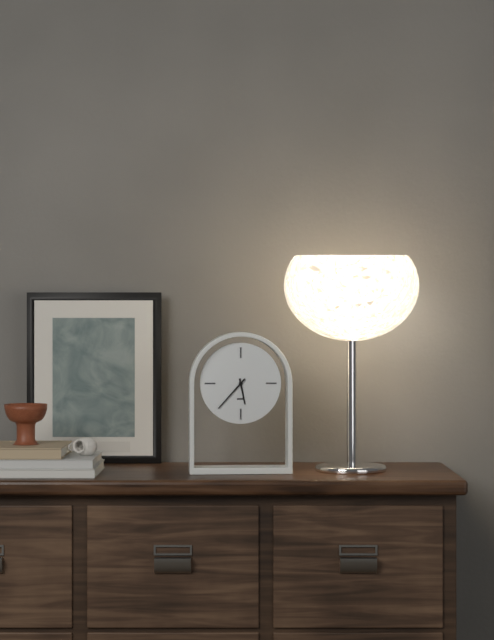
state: 5:37
